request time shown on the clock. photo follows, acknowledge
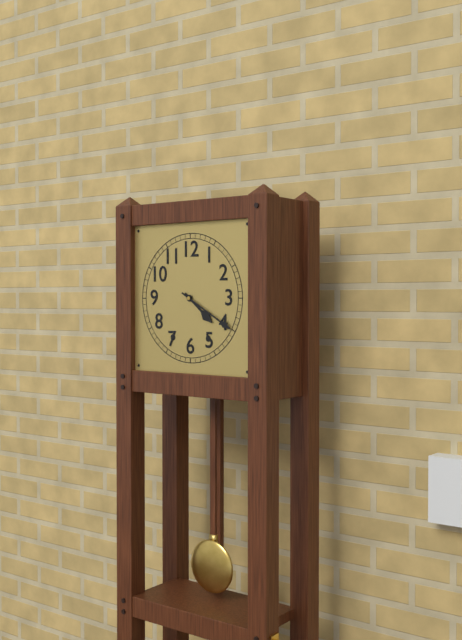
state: 4:20
